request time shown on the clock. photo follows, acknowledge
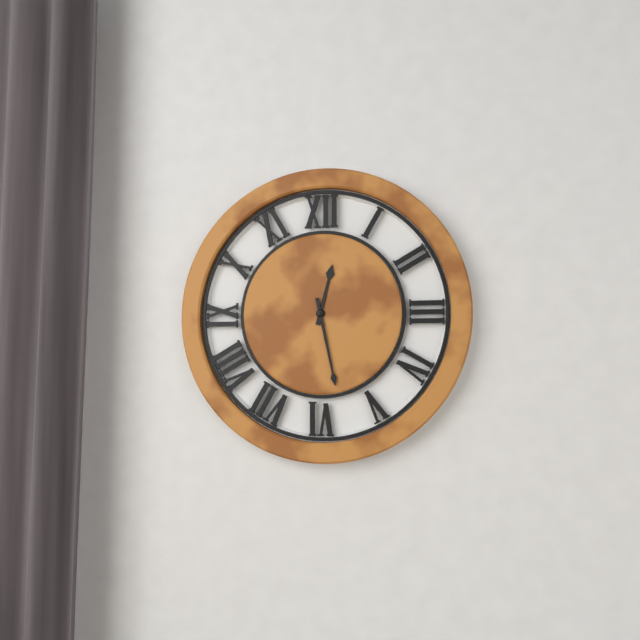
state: 12:28
